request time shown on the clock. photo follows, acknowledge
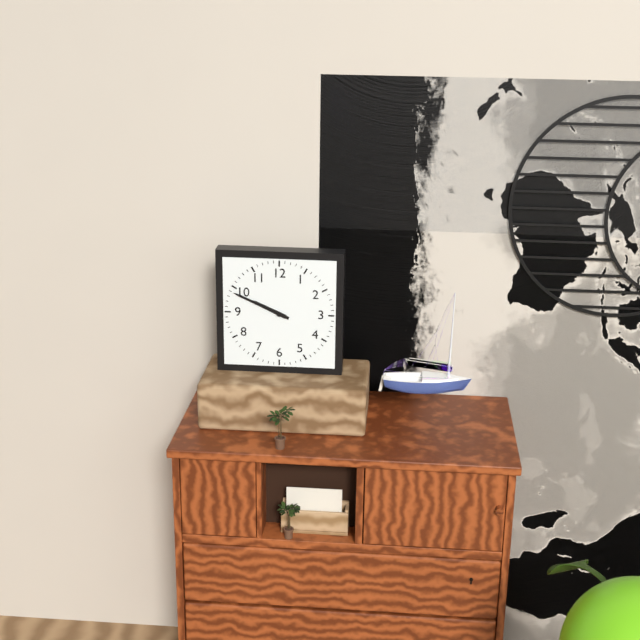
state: 9:49
